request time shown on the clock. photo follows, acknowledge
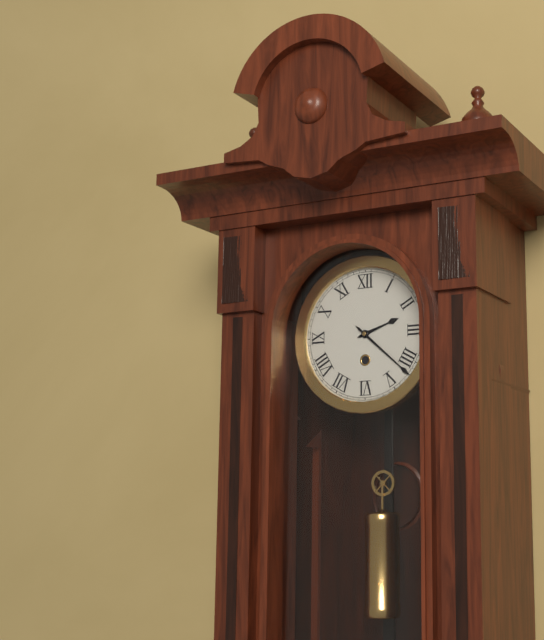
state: 2:22
